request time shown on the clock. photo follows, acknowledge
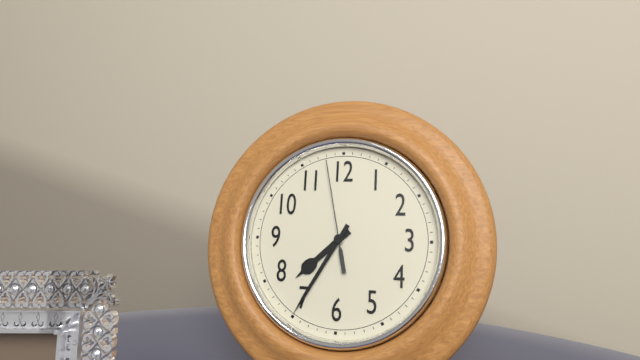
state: 7:35:58
